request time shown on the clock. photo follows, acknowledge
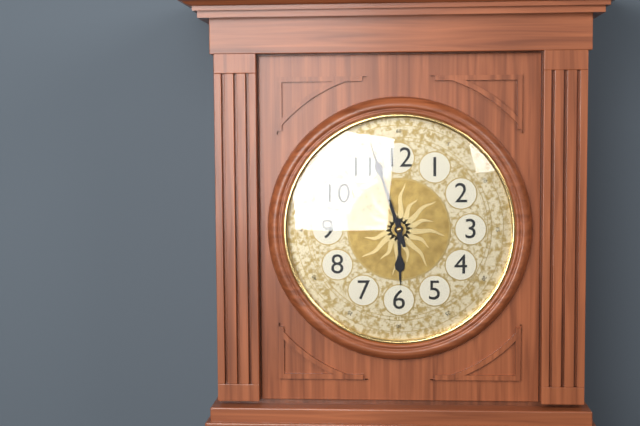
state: 5:57
